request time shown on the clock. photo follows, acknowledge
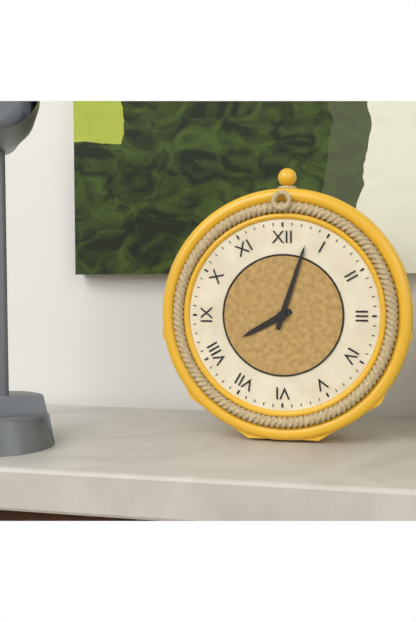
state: 8:03
